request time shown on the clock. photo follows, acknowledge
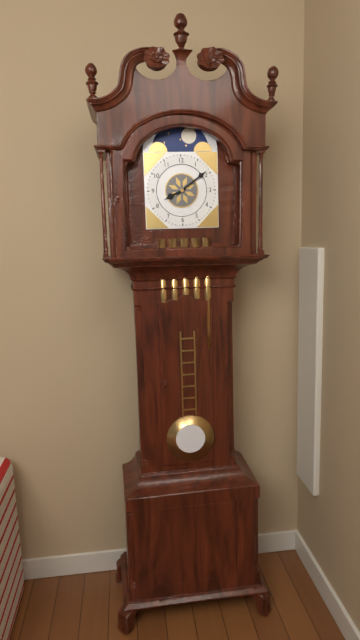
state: 8:09
